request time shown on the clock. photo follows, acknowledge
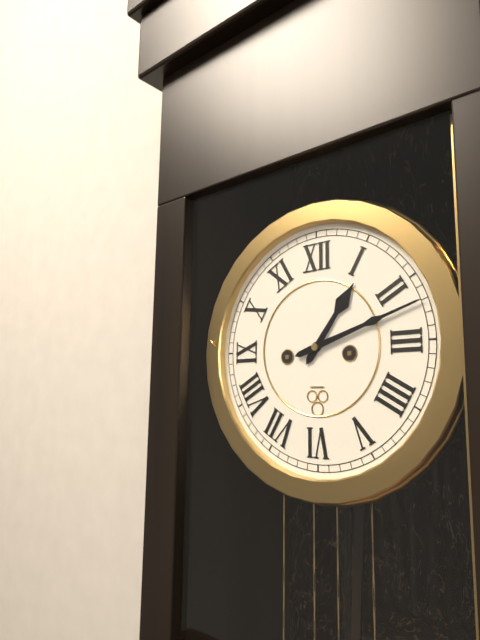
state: 1:12
